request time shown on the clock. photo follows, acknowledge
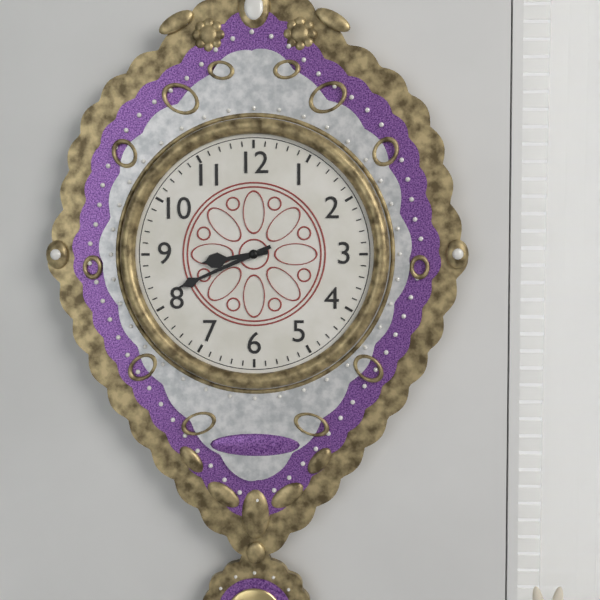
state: 8:41
